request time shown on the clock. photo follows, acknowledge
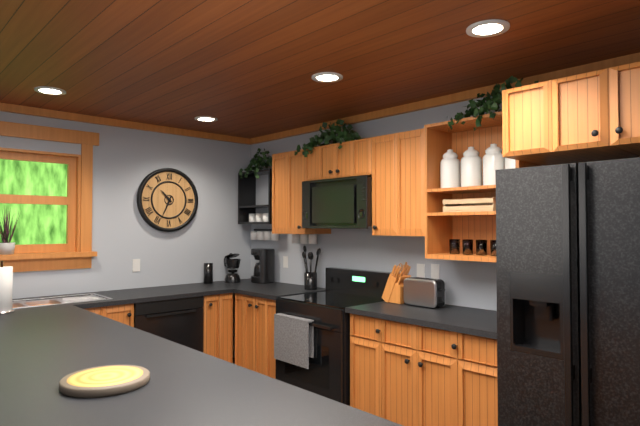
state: 10:34
